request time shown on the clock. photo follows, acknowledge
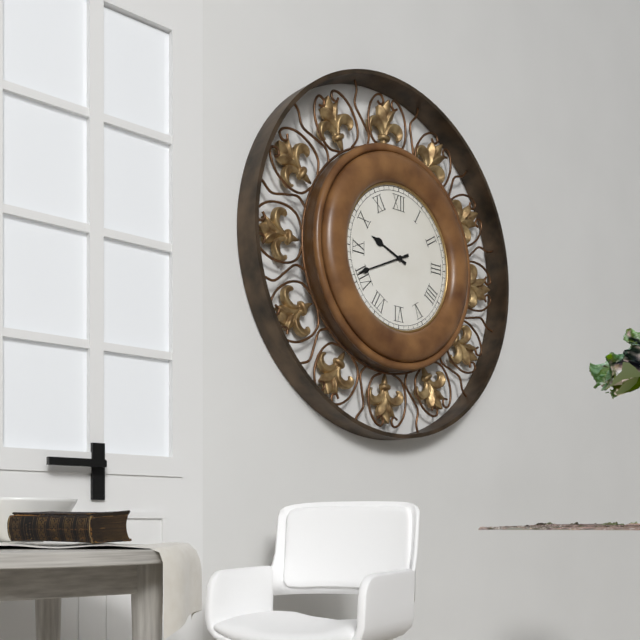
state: 9:41
